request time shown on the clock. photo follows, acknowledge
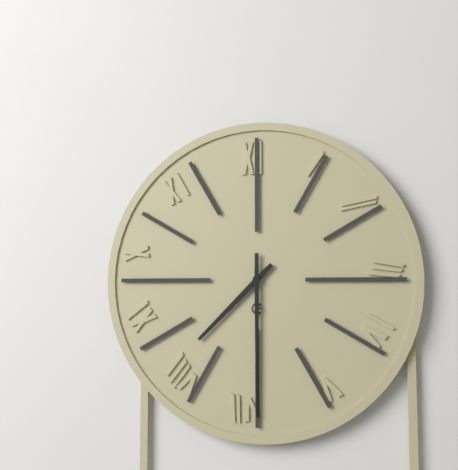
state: 7:30
